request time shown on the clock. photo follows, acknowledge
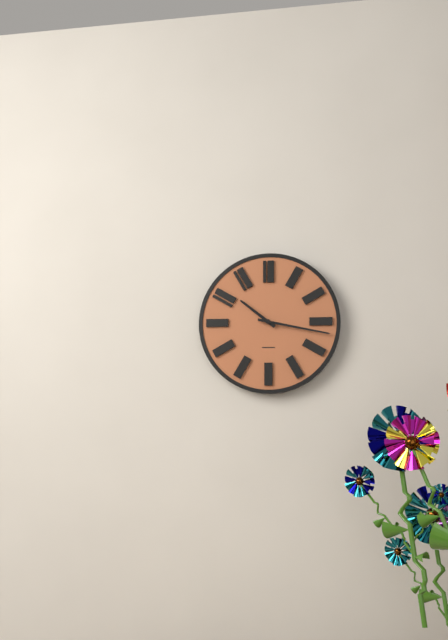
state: 10:17
